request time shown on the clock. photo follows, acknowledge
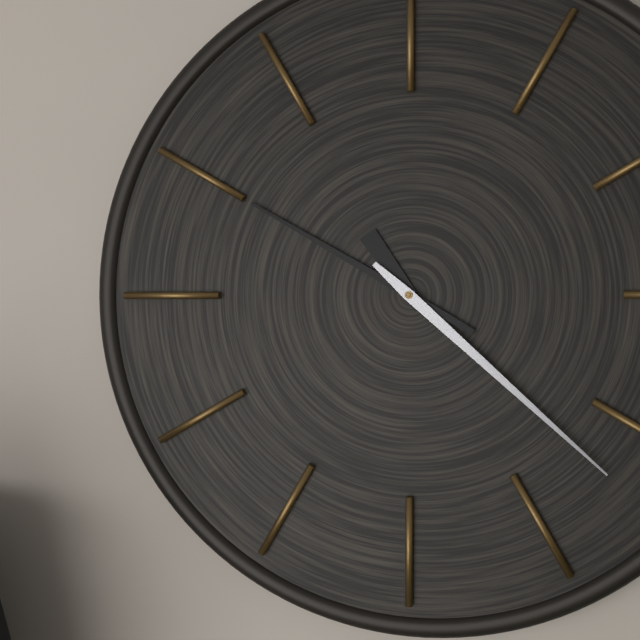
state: 10:50:22
